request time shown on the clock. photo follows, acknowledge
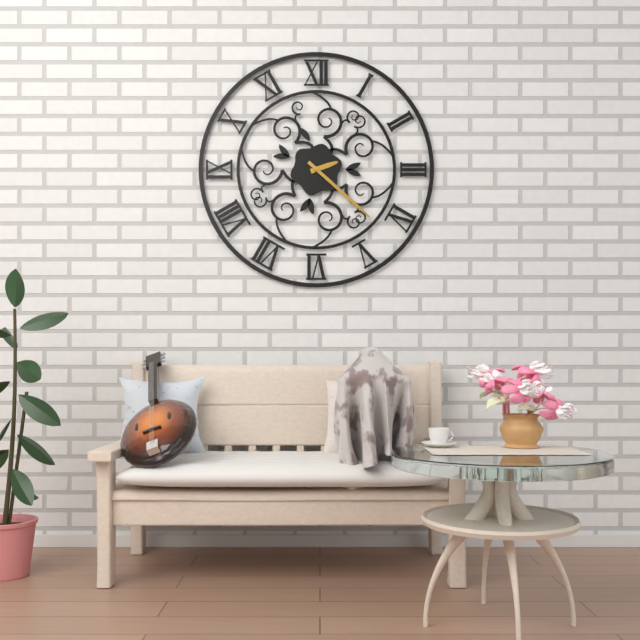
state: 2:22
